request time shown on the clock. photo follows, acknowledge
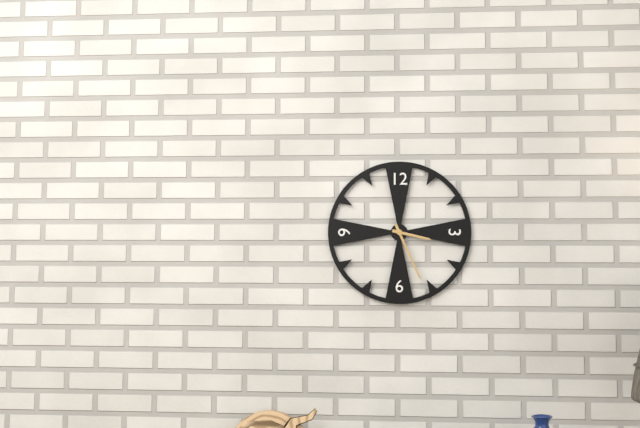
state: 3:26
